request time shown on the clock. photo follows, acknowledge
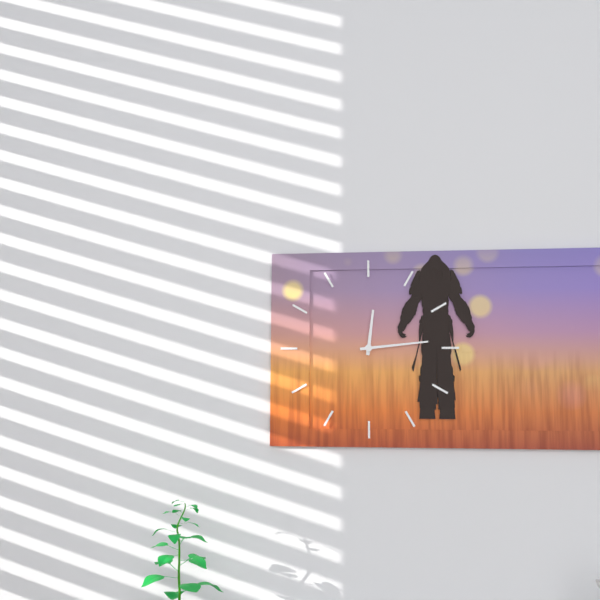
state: 12:14
